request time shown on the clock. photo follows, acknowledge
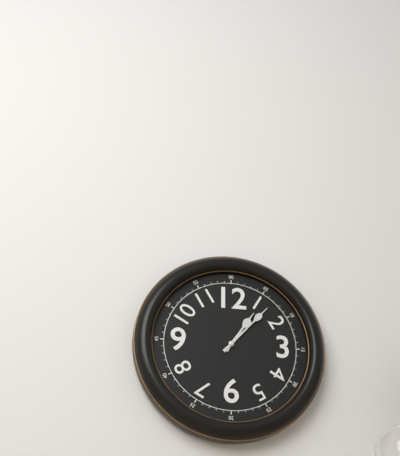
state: 1:07
